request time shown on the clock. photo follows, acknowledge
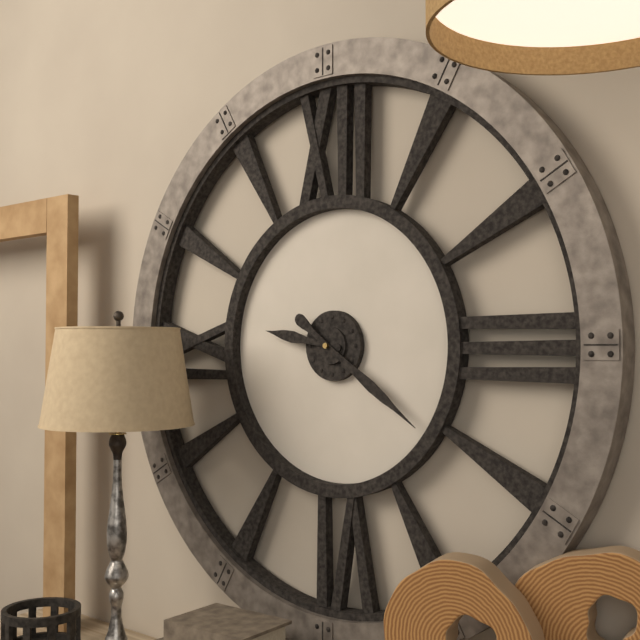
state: 9:21
